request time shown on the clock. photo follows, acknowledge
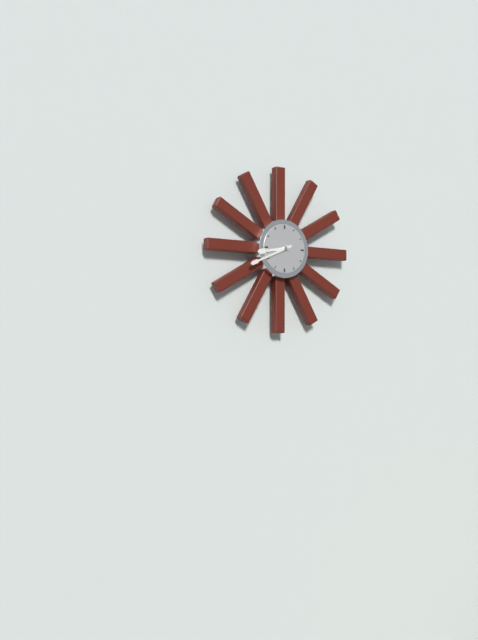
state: 8:41
